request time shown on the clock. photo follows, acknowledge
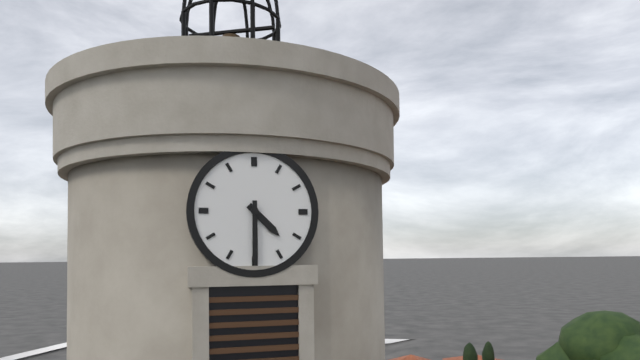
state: 4:30
